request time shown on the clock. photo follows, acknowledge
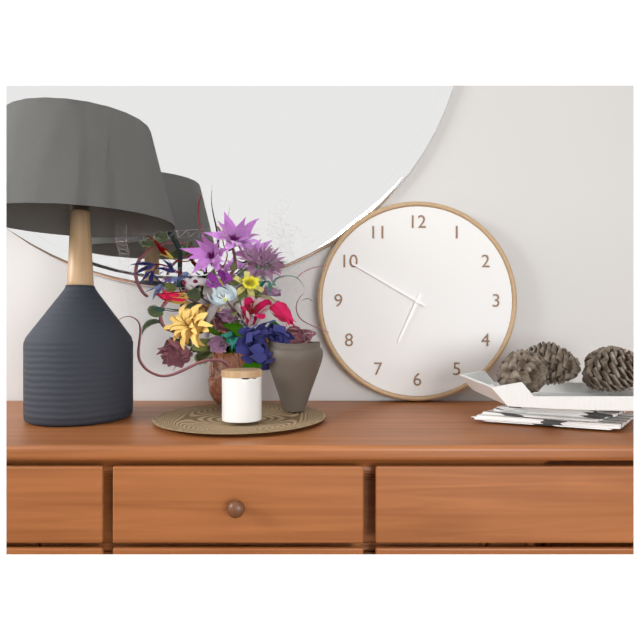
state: 6:50
